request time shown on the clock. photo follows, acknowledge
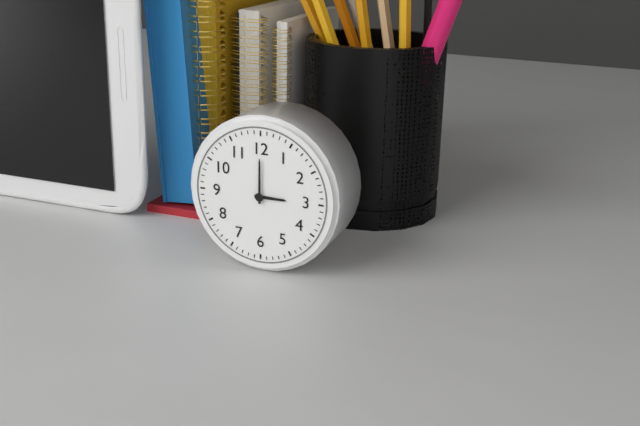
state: 3:00
